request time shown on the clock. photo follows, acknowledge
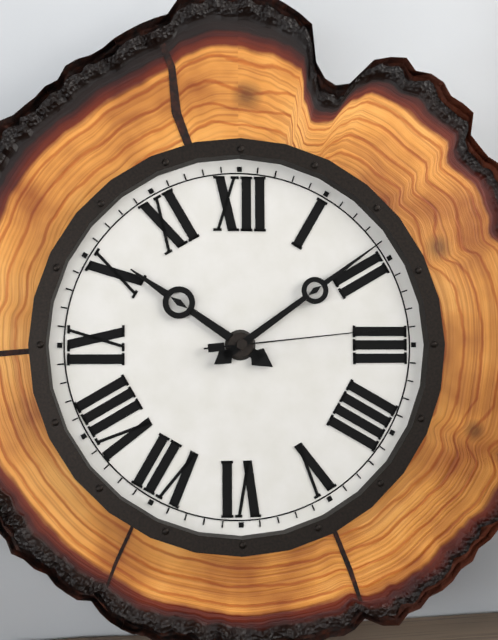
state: 10:09:14
